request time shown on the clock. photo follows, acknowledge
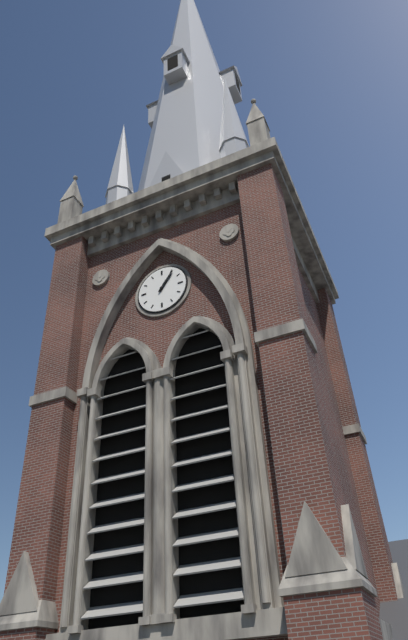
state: 1:06
